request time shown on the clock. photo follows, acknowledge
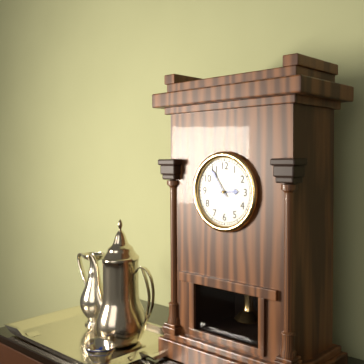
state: 2:54
